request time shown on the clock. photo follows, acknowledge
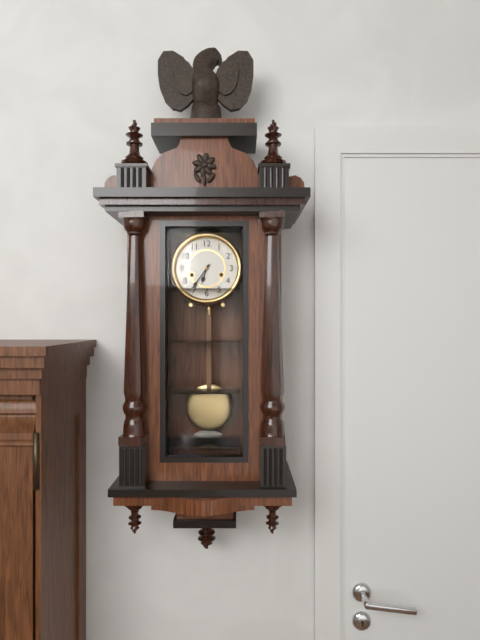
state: 6:36
